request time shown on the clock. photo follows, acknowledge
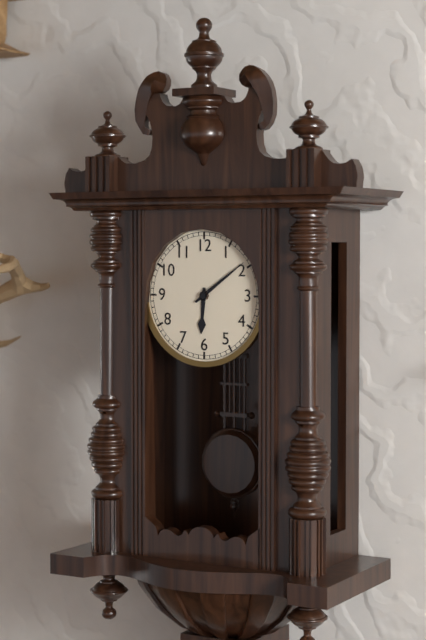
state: 6:09
